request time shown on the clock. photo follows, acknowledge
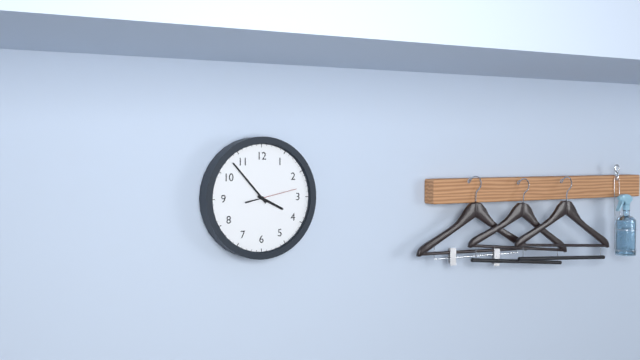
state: 3:53:13
